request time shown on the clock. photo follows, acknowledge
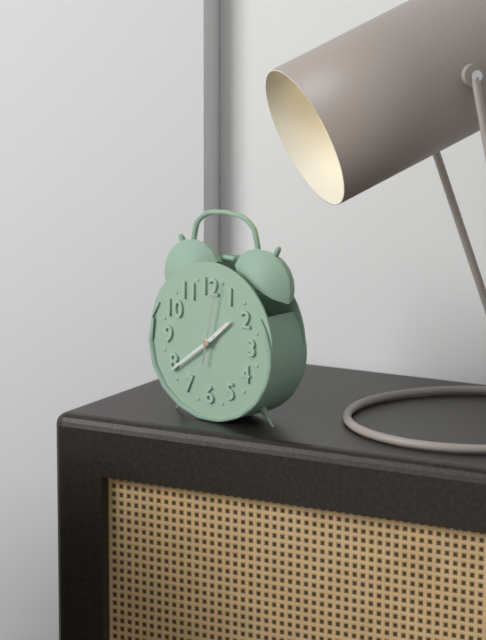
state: 1:39:02
